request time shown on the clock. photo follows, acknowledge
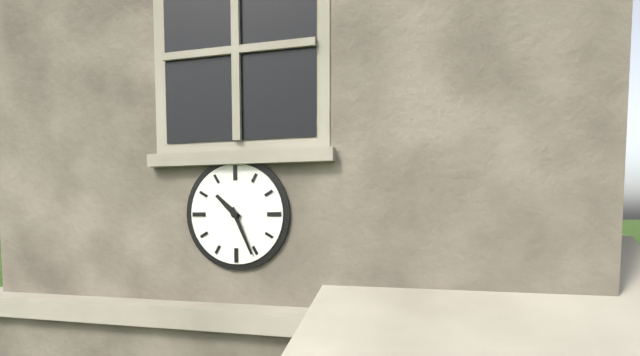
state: 10:26
